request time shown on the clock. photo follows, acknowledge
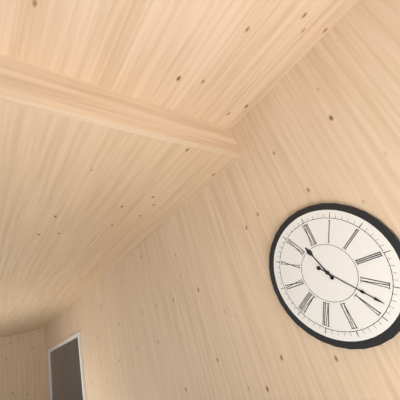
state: 11:23
